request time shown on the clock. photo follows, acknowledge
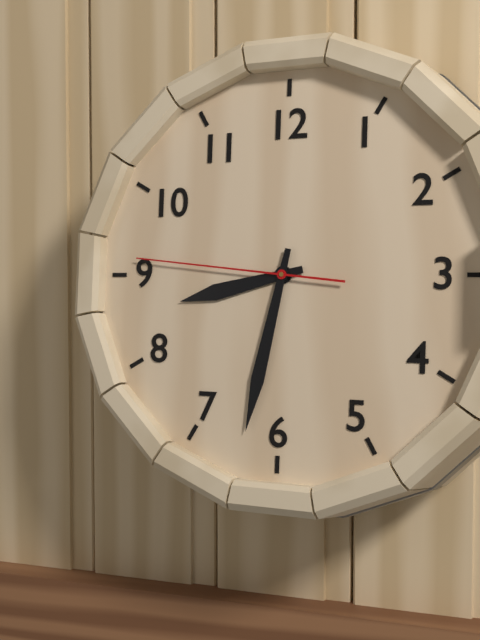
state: 8:32:46
